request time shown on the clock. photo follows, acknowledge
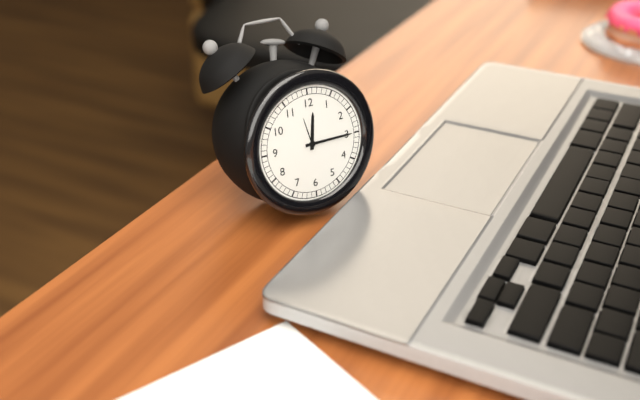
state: 12:15
